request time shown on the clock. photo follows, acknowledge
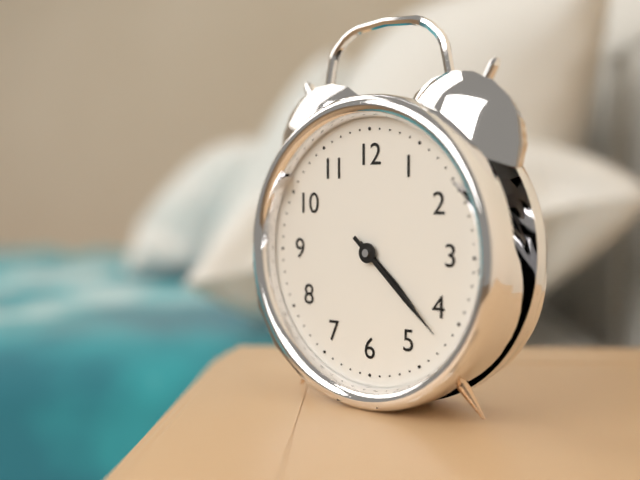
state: 4:22
